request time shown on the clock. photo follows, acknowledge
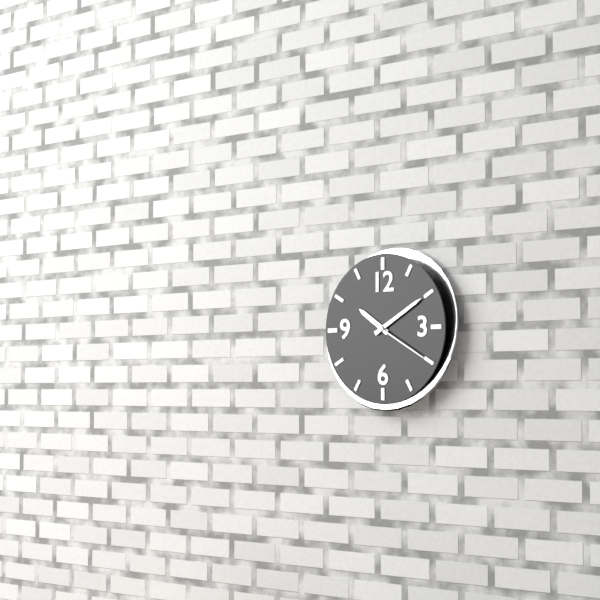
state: 10:10:20
